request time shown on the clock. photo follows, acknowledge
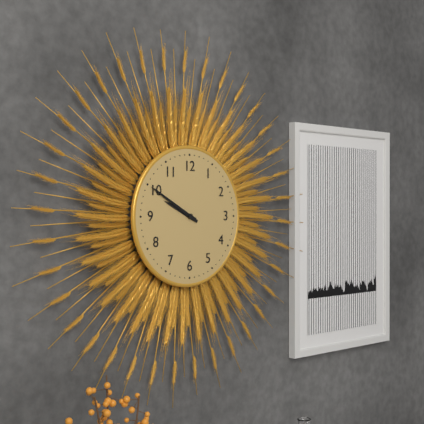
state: 9:50
